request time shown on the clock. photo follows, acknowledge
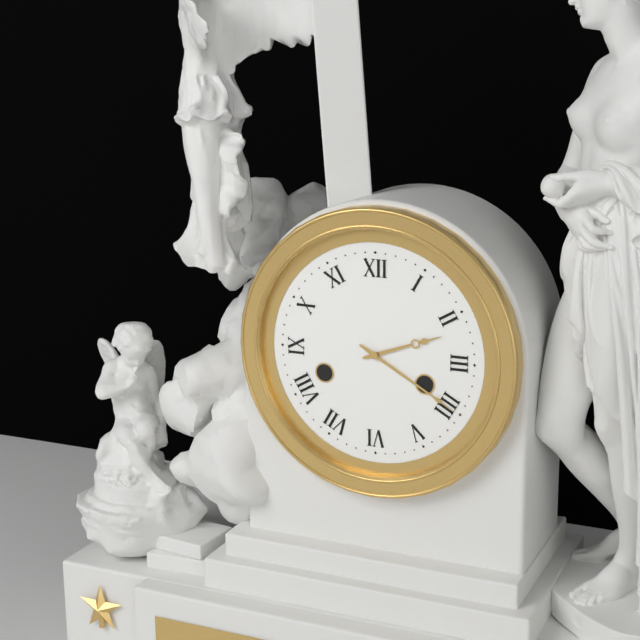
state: 2:20
